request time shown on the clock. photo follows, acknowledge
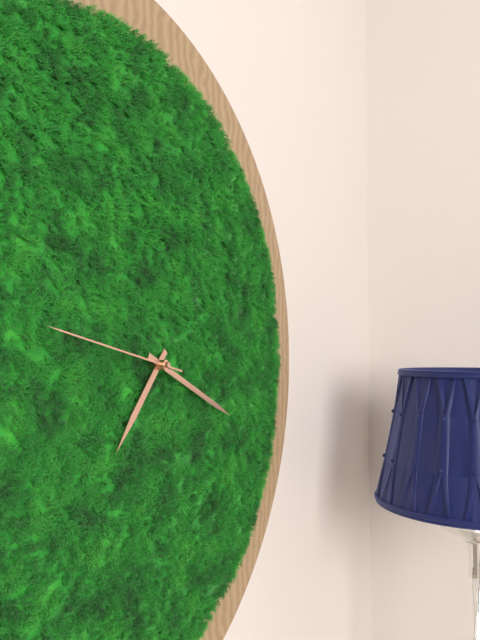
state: 7:19:47
